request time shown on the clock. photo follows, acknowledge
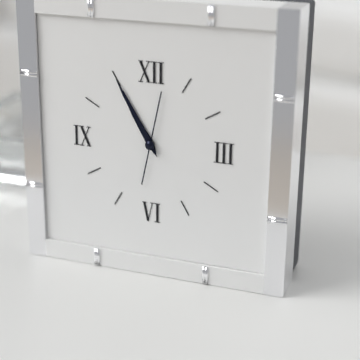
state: 10:55:02
